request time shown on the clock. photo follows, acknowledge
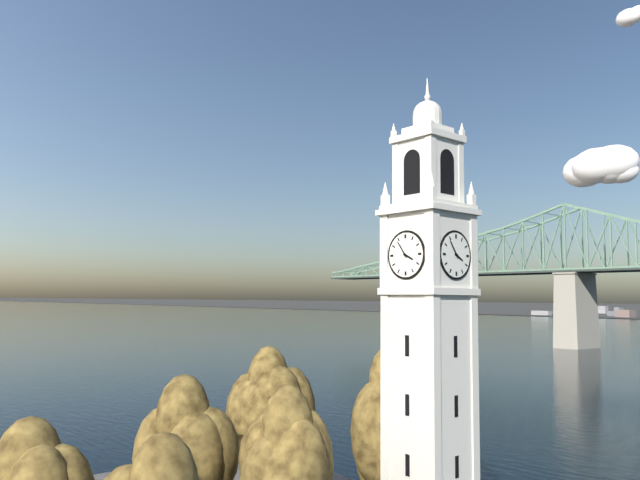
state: 3:54
